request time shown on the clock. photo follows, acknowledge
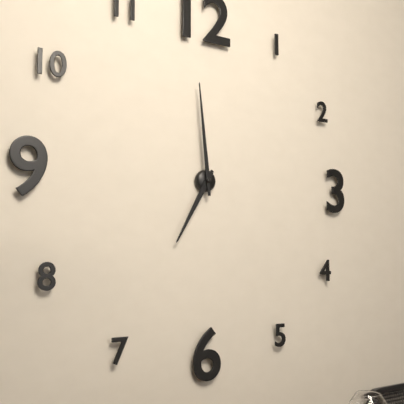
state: 6:59
